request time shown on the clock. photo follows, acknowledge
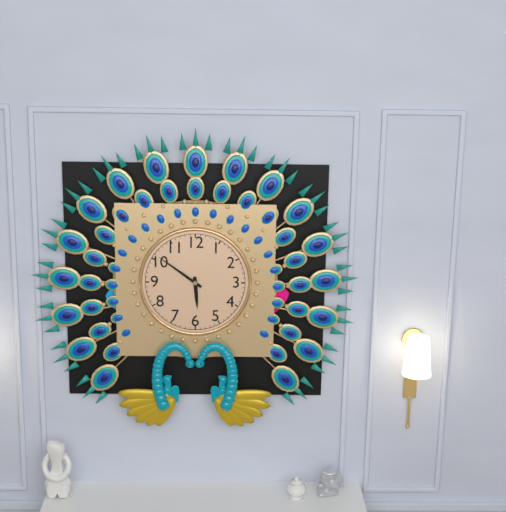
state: 5:51
